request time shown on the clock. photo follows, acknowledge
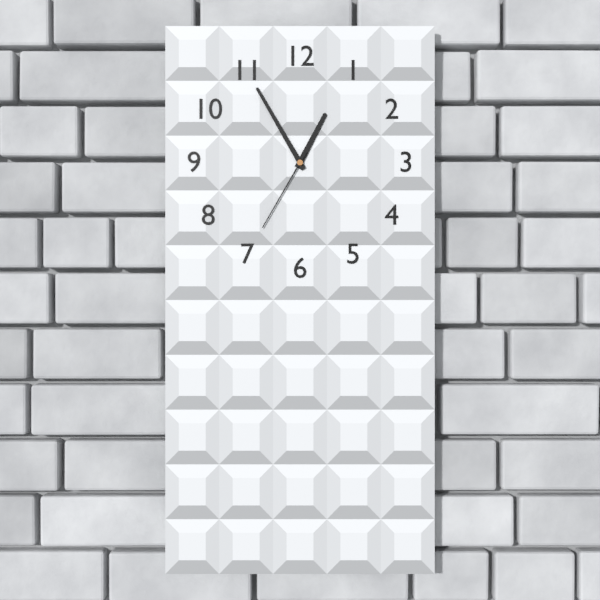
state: 12:55:35
